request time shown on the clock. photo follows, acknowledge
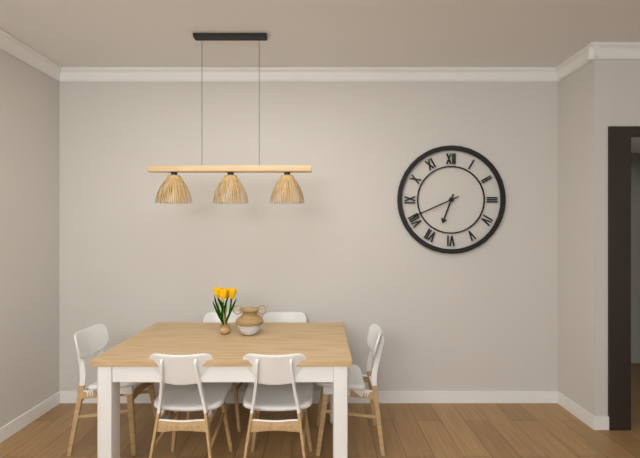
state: 6:41
